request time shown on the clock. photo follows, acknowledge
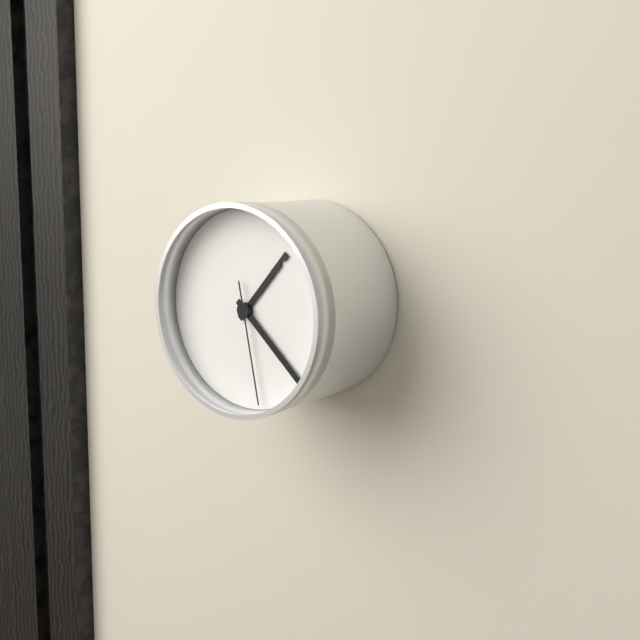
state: 1:22:28
